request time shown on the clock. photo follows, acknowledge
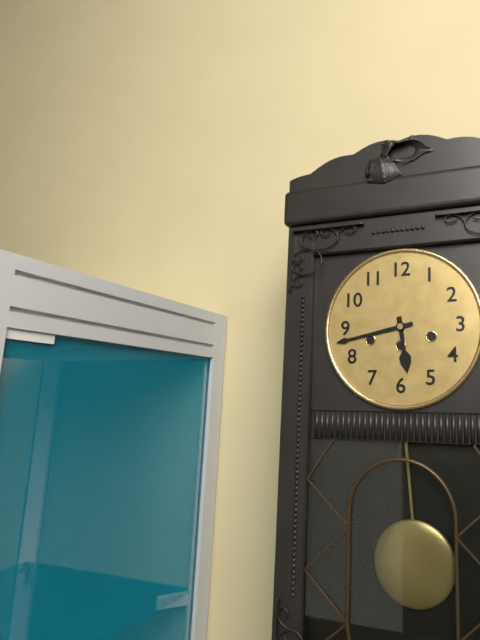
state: 5:43
